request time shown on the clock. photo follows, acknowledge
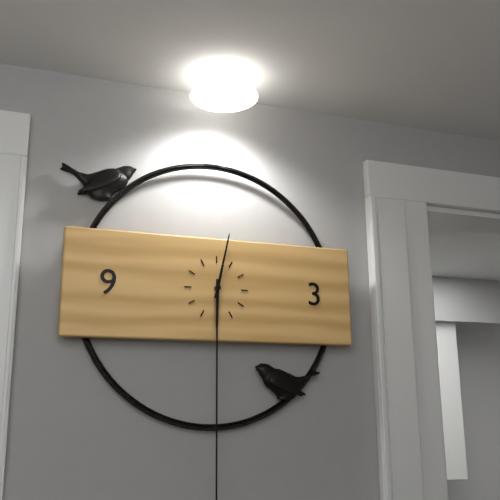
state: 6:02
